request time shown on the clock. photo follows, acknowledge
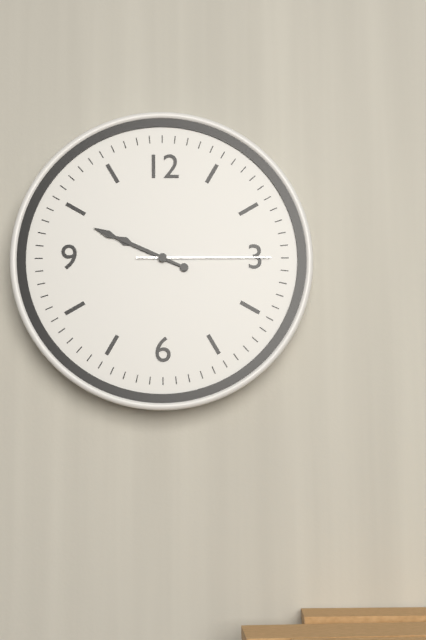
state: 9:49:15
